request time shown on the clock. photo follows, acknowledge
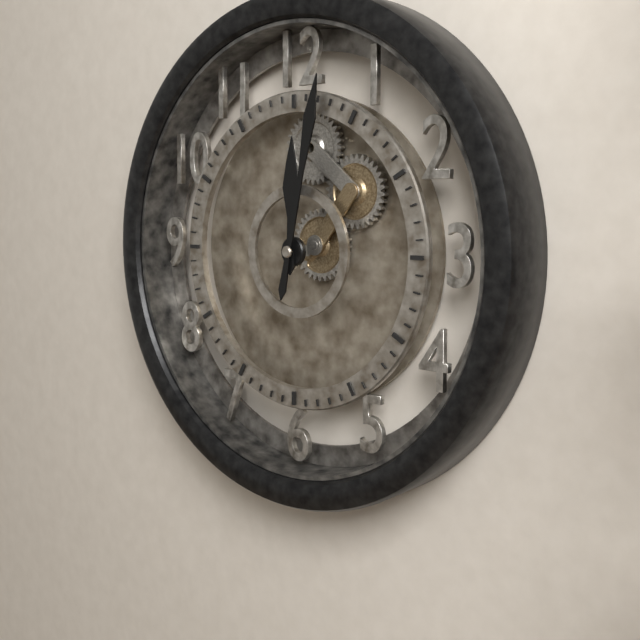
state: 12:02
